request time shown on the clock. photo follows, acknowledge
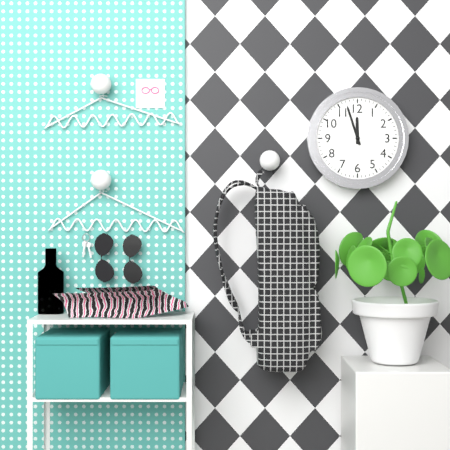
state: 11:57
